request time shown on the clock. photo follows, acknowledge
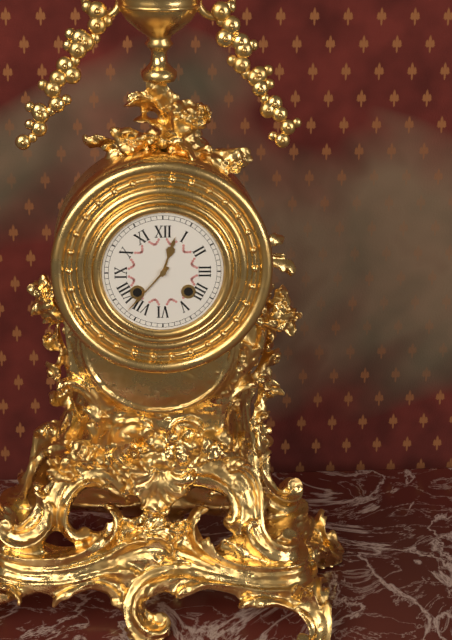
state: 12:37
